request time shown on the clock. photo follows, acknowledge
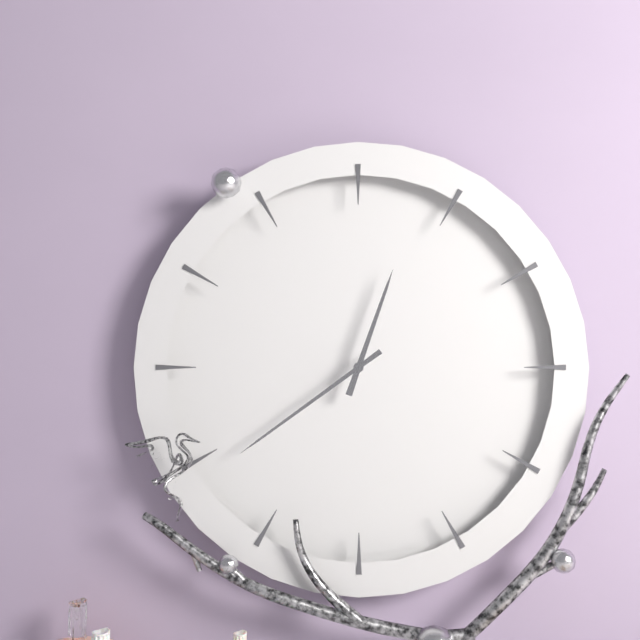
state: 12:39
